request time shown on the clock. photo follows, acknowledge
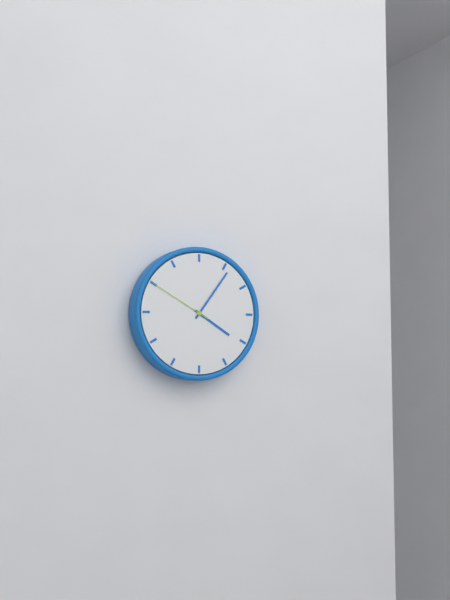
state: 4:06:50
